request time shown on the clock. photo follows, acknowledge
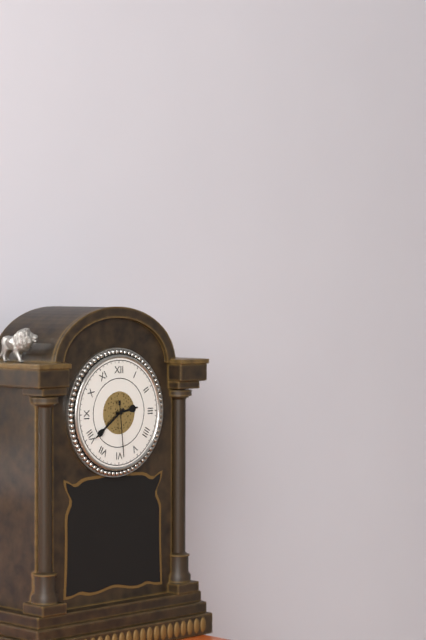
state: 2:39:29
